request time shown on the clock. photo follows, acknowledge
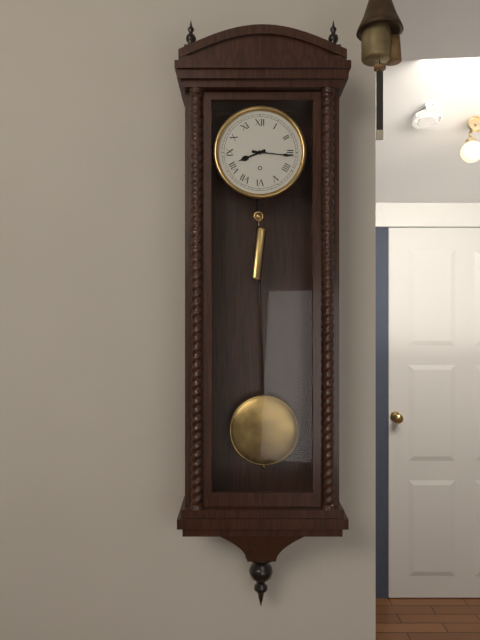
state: 8:16
